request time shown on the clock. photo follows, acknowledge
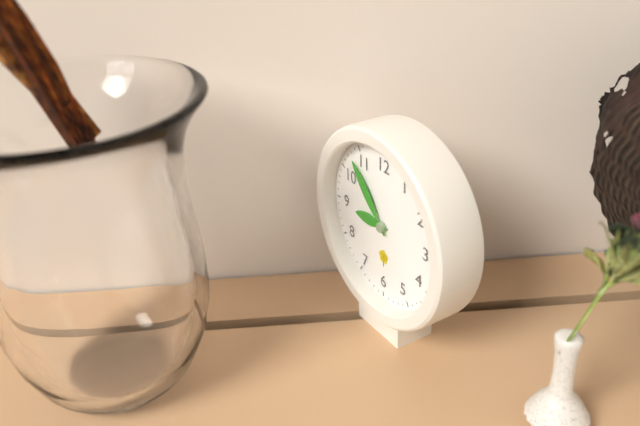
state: 8:53
